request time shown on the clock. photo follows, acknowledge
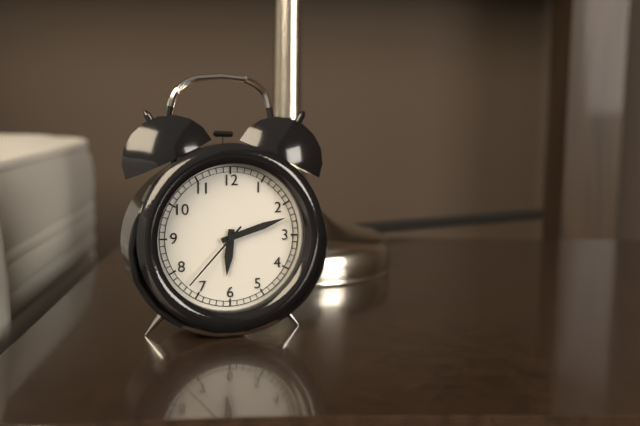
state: 6:12:37
